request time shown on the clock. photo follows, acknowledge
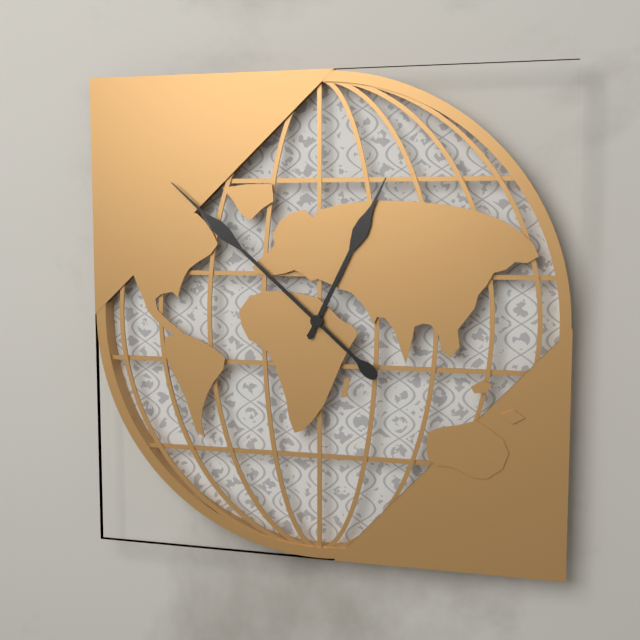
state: 12:52
